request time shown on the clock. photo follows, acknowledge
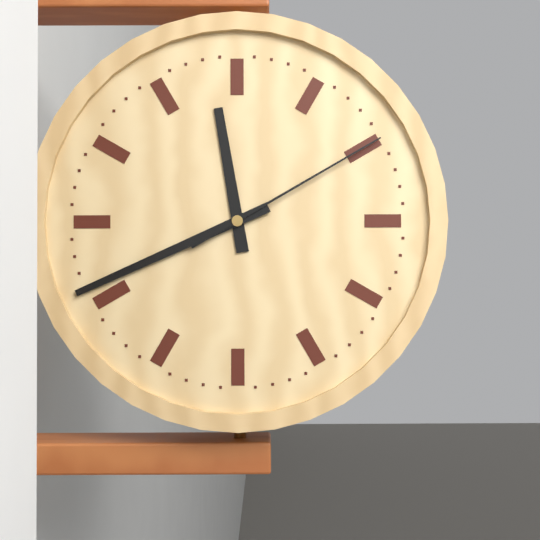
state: 11:41:10
